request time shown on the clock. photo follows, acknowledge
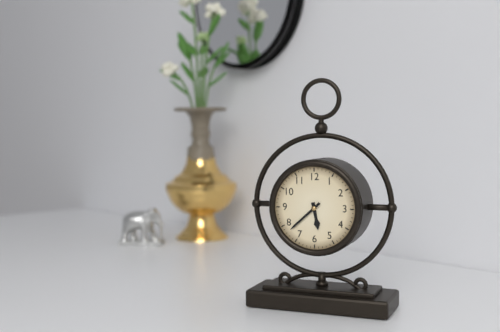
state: 5:38
